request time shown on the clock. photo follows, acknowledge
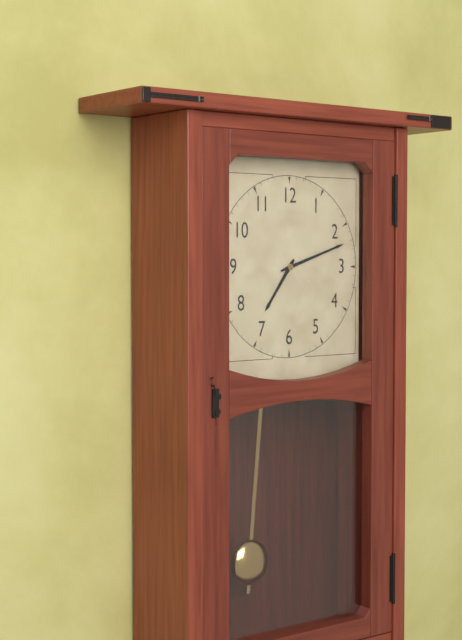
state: 7:12
